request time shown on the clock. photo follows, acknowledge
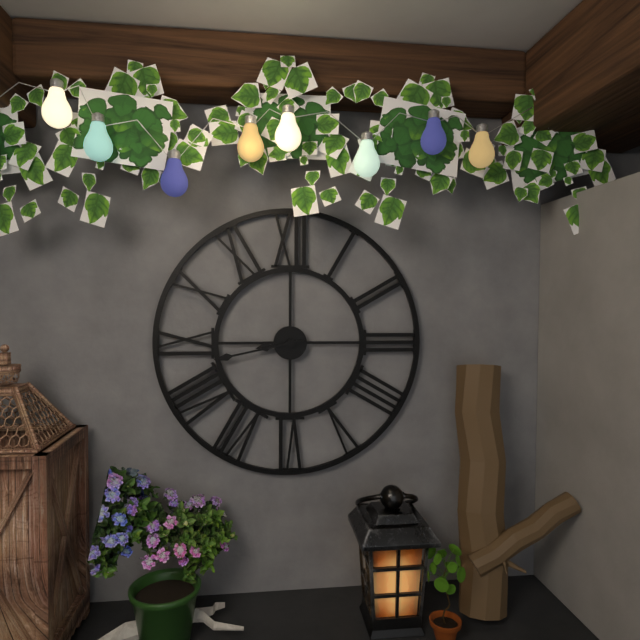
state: 8:43
